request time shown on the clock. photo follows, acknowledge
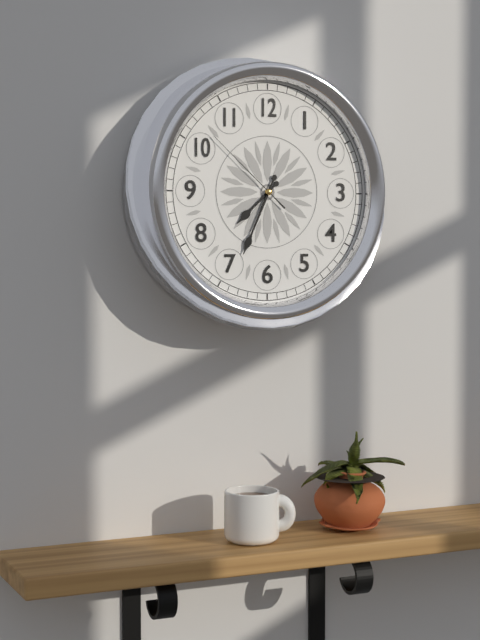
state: 7:34:52
